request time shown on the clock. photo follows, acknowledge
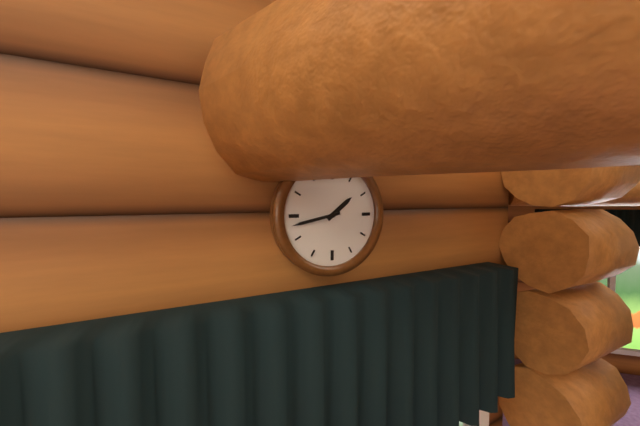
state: 1:43
